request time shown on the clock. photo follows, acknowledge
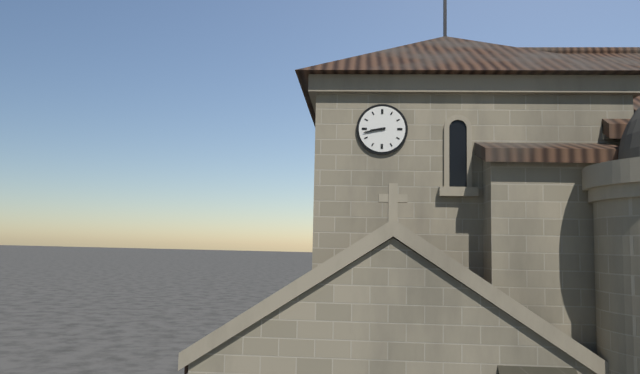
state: 8:43
